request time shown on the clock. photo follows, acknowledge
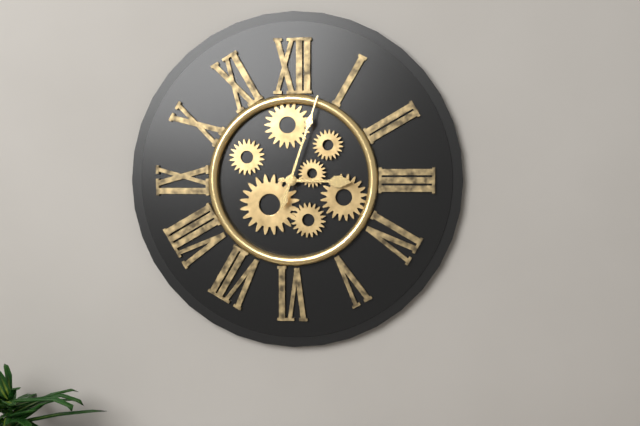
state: 3:03
